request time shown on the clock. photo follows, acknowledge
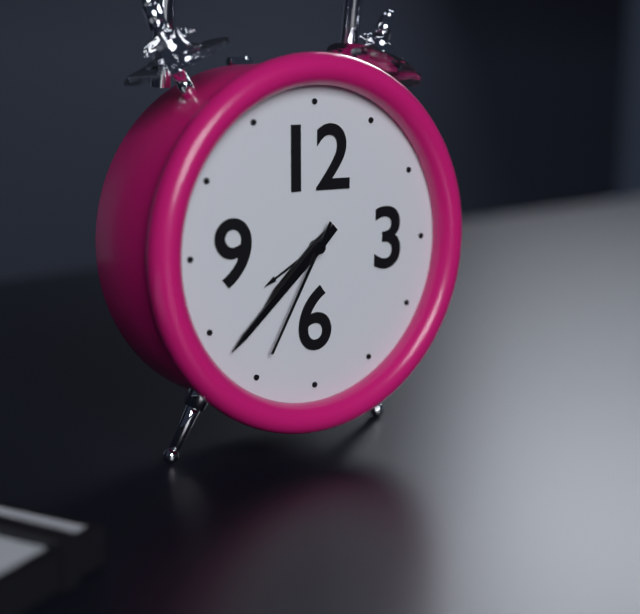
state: 7:38:35
